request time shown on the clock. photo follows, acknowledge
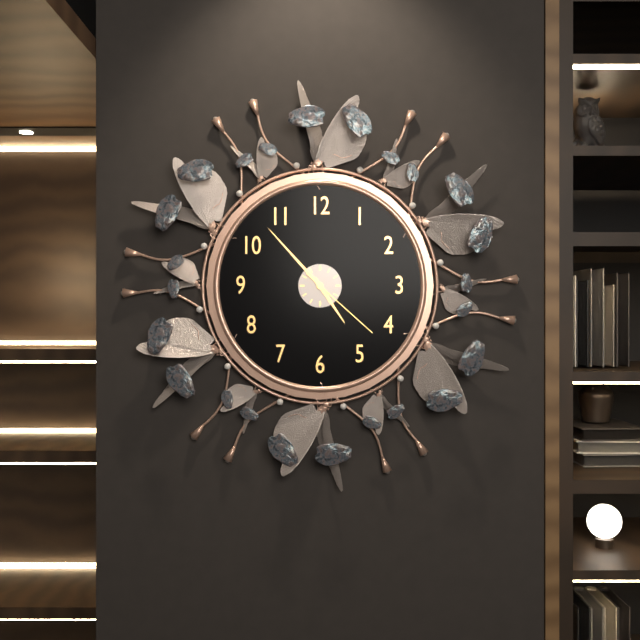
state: 4:53:22
